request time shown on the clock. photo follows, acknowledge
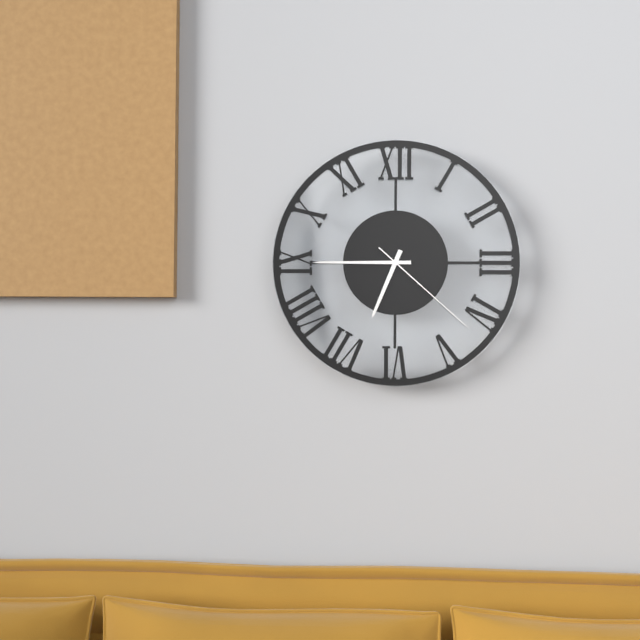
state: 6:45:22
